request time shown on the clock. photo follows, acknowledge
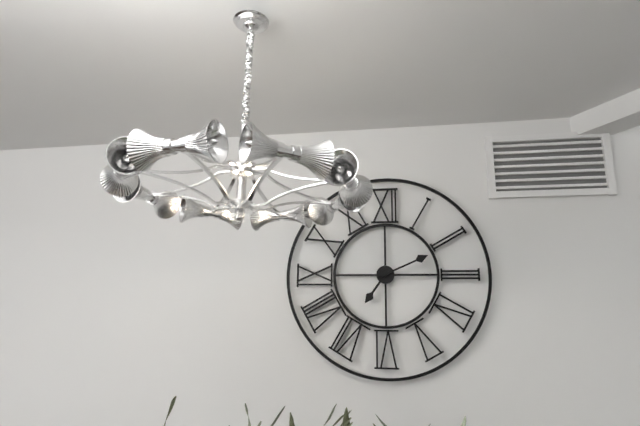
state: 7:11
